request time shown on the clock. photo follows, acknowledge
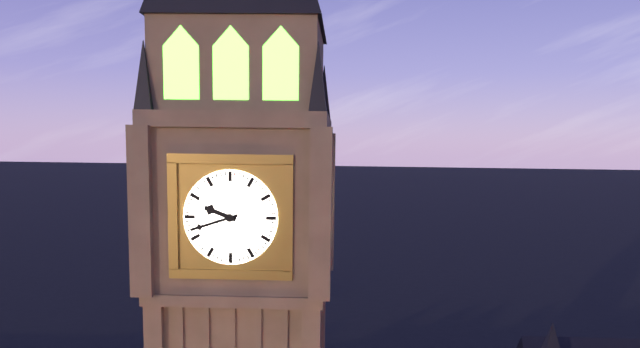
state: 9:42
